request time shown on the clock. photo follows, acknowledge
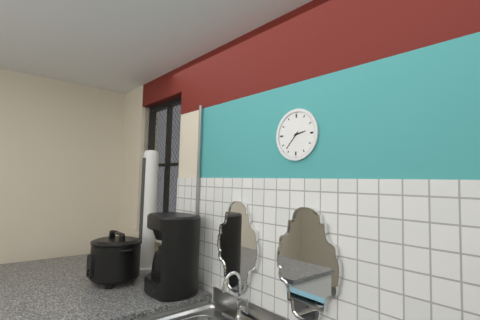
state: 2:37
